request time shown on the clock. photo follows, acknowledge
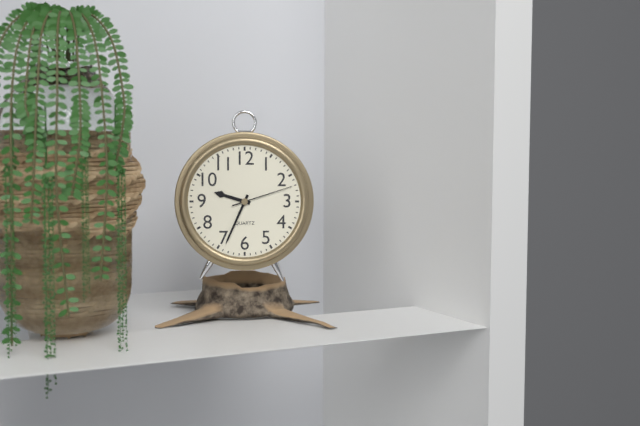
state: 9:34:12
